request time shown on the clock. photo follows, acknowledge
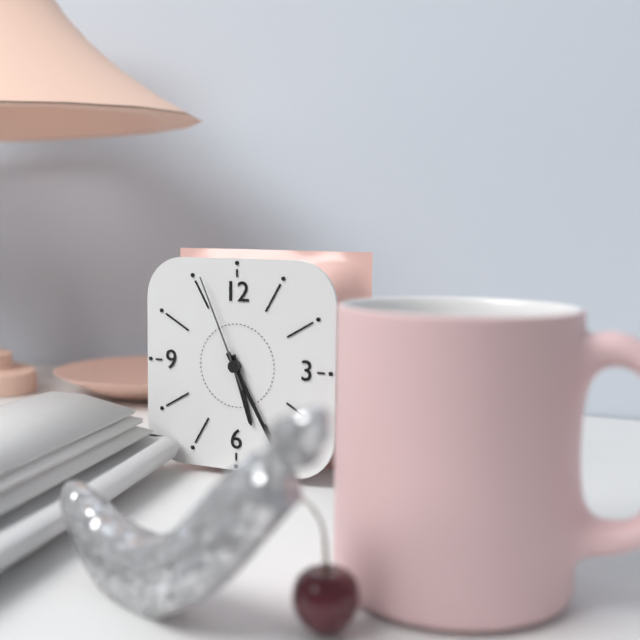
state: 5:25:56
